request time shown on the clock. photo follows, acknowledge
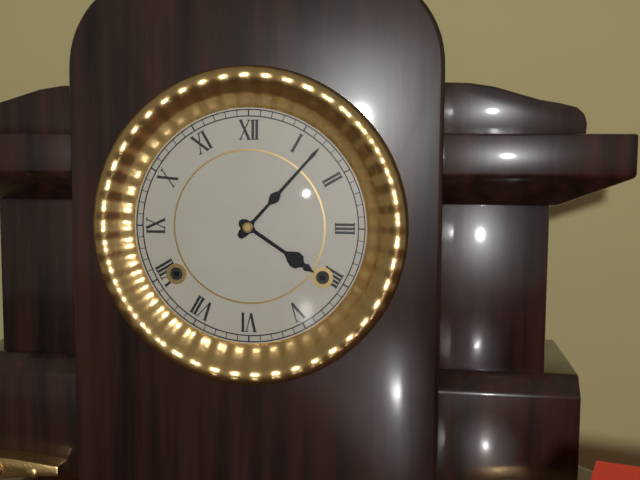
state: 4:07
